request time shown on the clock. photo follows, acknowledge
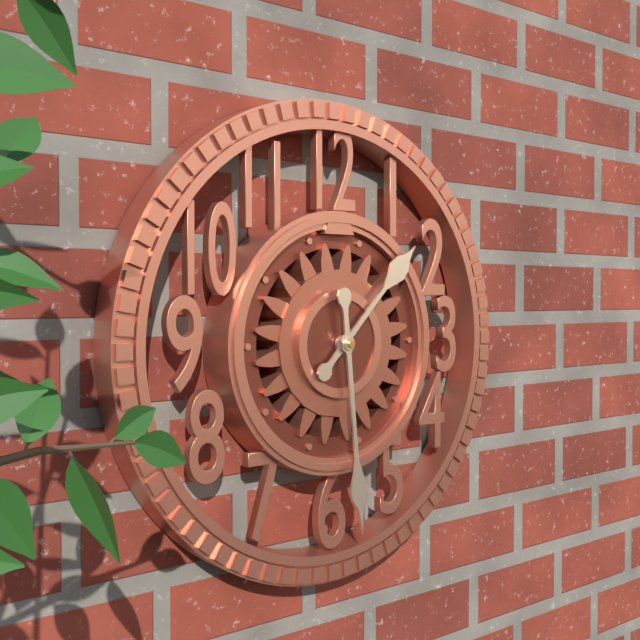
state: 1:29
